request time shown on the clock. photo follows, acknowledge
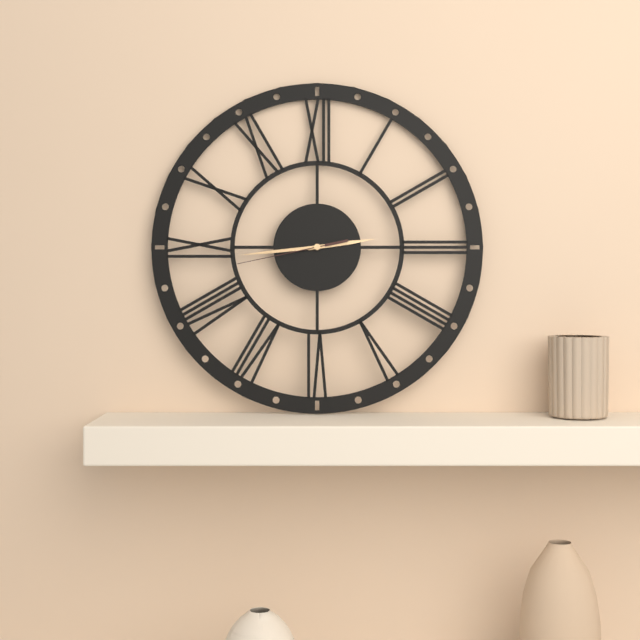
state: 2:44:43
